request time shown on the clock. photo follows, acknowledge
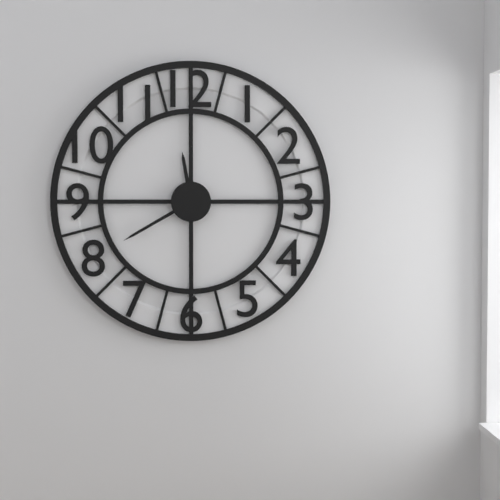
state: 11:40
